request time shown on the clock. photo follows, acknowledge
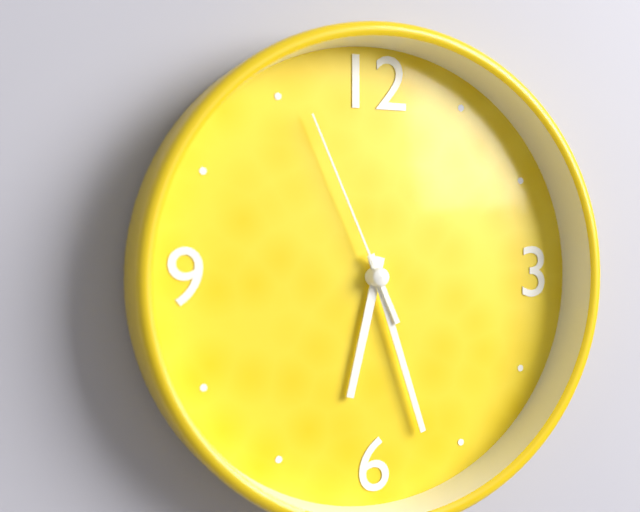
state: 6:27:56
